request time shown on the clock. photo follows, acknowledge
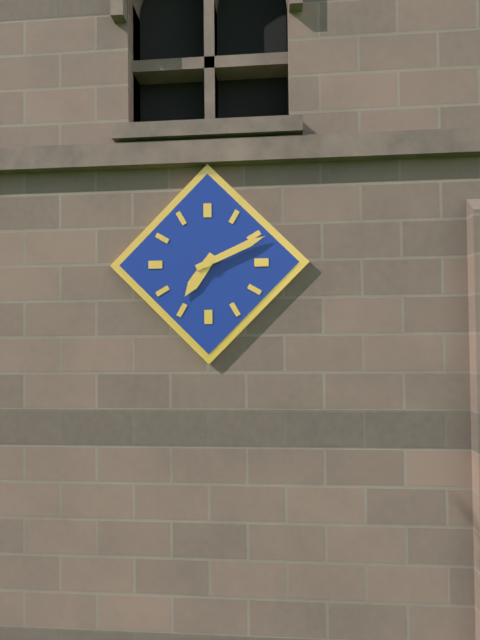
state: 7:11
